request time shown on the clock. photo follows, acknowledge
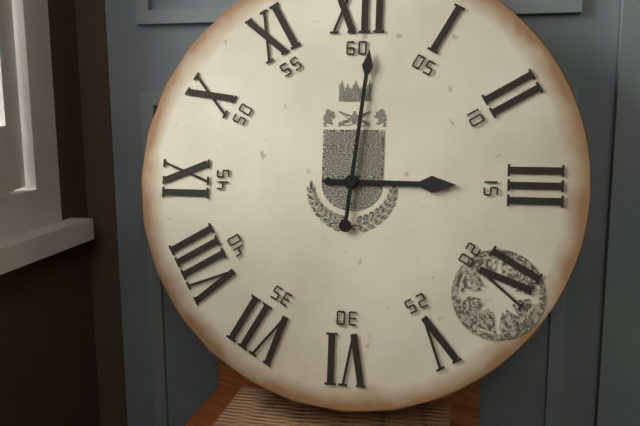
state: 3:01
